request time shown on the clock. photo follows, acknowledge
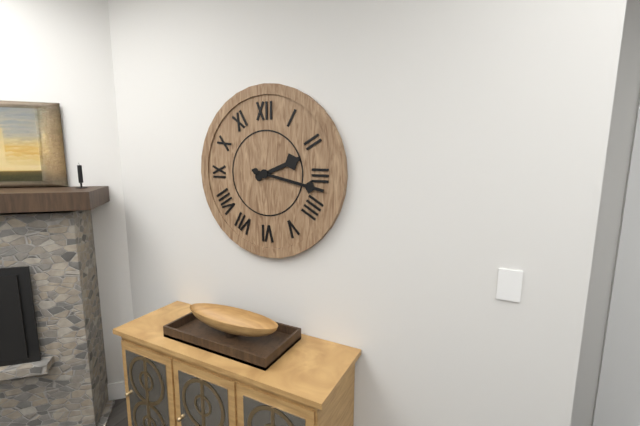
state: 2:17
